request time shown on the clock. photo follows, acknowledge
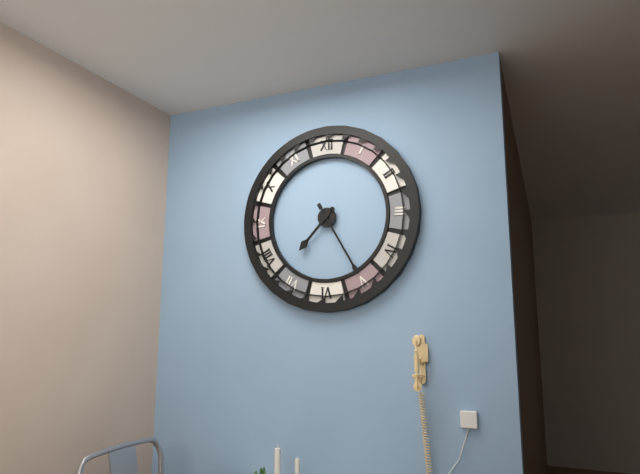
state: 7:25
